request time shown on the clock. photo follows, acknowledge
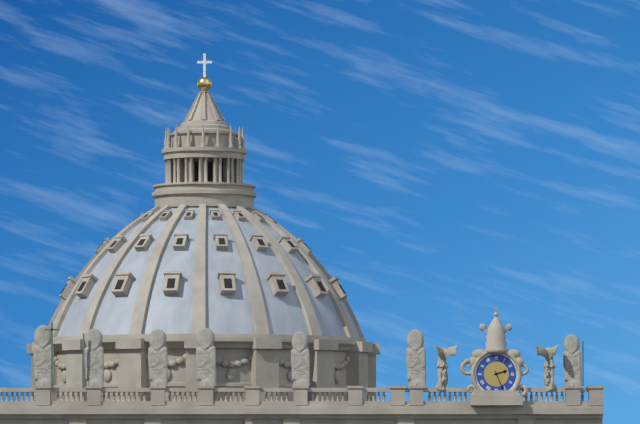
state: 2:26
